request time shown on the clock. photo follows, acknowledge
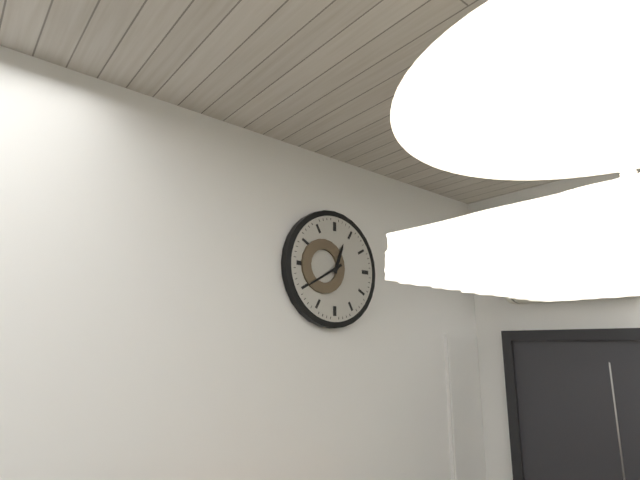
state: 12:40
